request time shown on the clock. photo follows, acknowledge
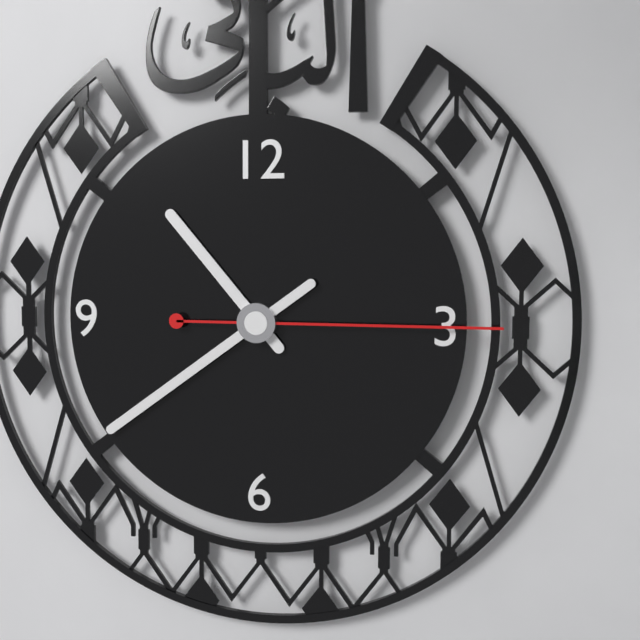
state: 10:39:15
